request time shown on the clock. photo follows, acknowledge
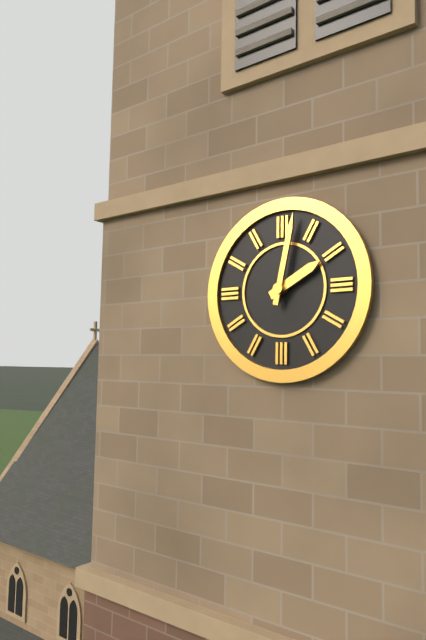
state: 2:02
